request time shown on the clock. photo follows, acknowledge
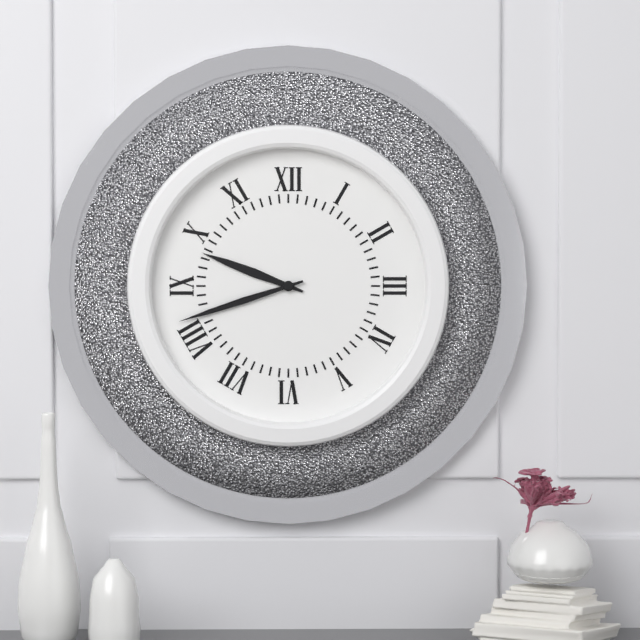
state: 9:42
